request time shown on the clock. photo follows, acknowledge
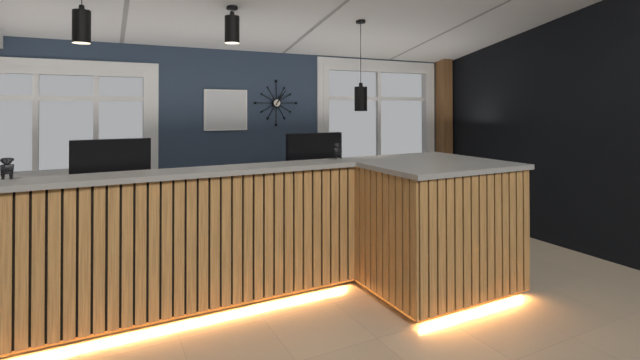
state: 1:06
